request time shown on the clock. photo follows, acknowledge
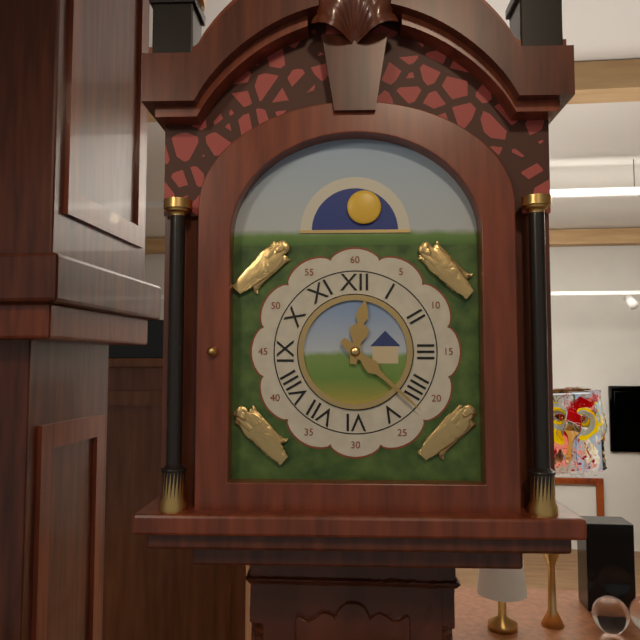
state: 12:22
